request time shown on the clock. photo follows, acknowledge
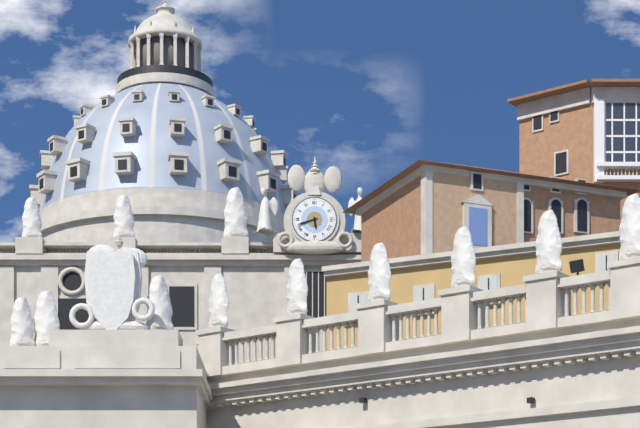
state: 5:42
